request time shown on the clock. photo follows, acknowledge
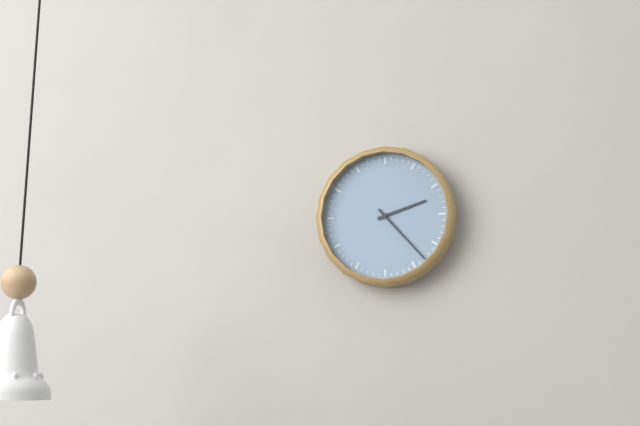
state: 2:23
